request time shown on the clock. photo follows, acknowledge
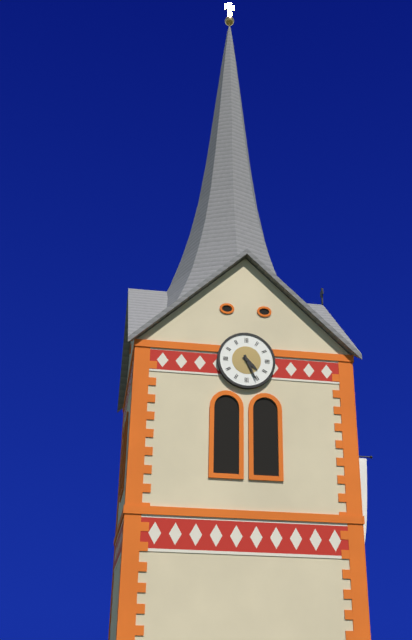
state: 4:26
